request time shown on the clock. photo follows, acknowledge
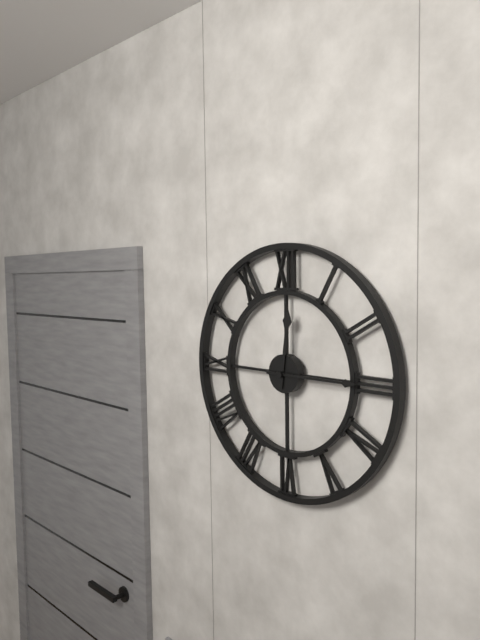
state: 12:15
